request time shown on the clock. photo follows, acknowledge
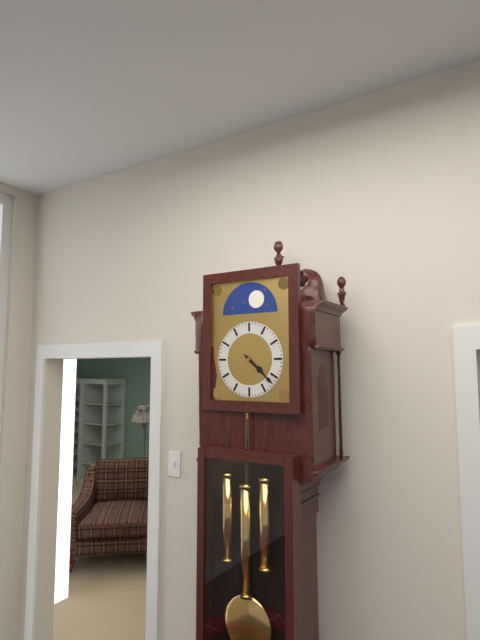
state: 4:22
